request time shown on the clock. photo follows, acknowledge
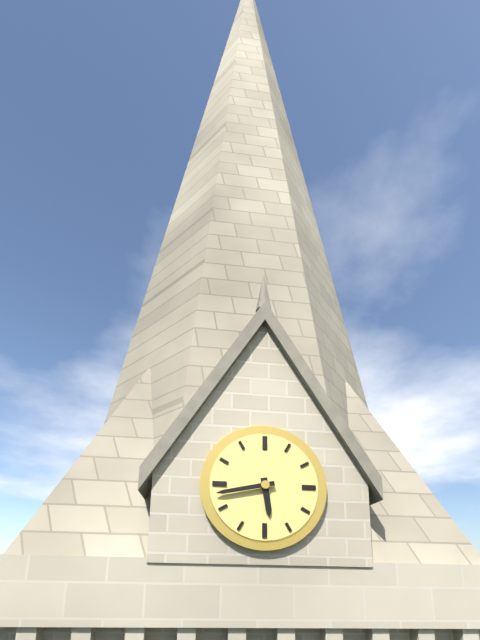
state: 5:43
